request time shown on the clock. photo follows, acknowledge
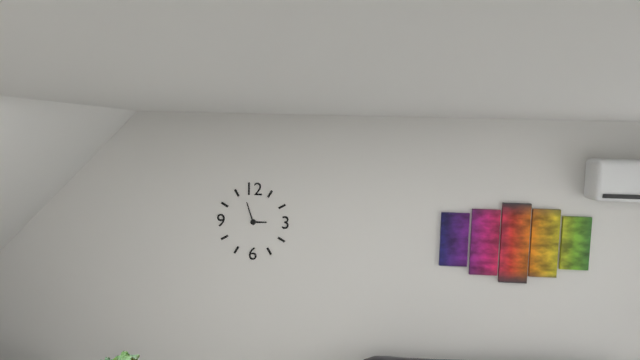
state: 2:57
